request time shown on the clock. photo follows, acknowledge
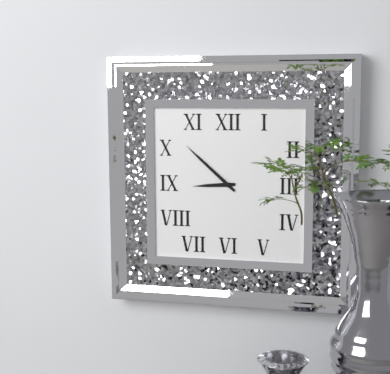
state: 8:52
